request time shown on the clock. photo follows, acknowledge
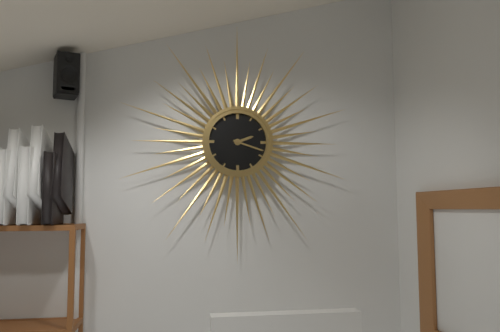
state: 2:18
